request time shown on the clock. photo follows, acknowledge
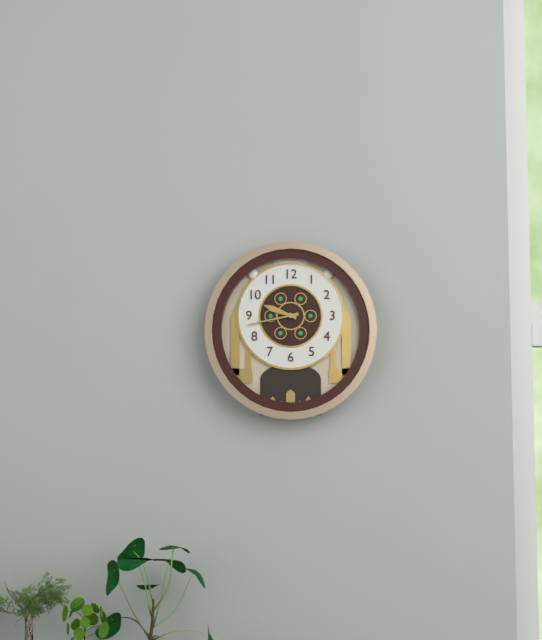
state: 9:43
